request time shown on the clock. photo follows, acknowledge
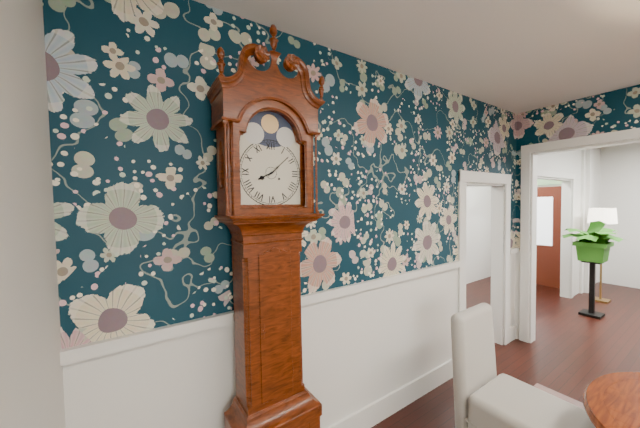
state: 8:08
